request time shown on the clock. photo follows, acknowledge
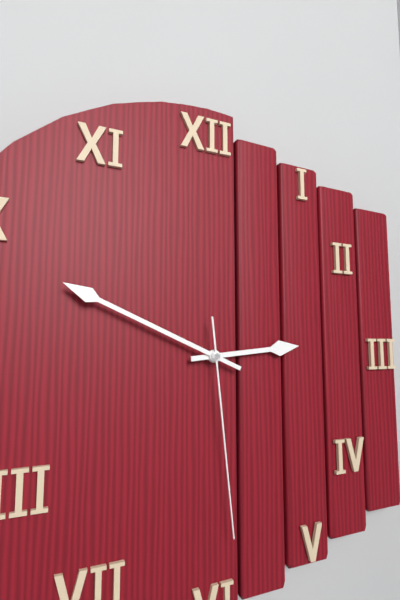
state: 2:49:29
